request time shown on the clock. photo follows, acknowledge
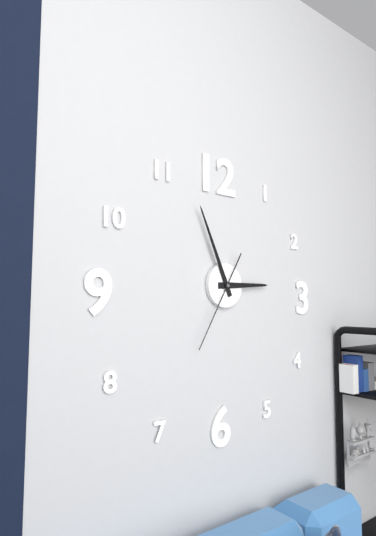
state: 2:56:35
